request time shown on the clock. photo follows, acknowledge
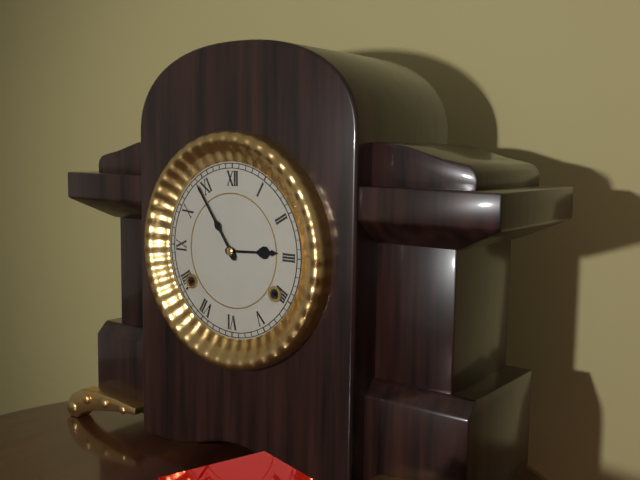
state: 2:54
